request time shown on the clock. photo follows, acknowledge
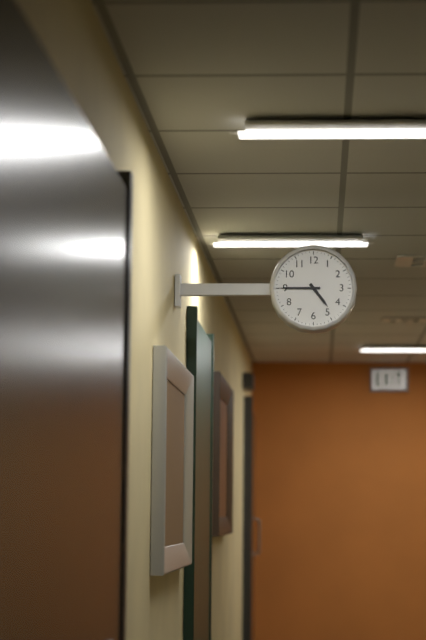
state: 4:45
